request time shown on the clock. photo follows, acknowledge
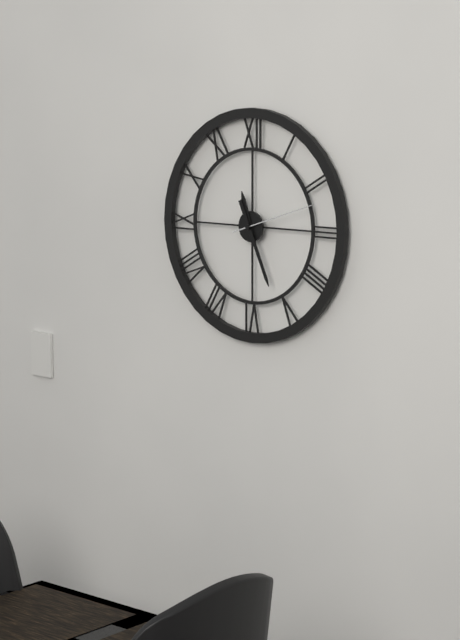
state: 11:26:12
